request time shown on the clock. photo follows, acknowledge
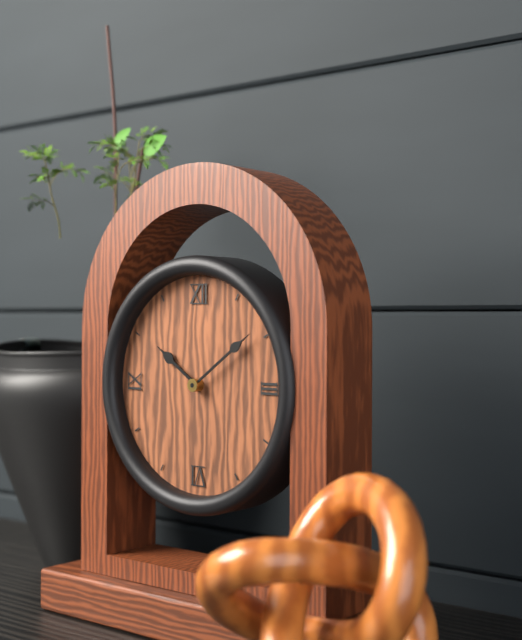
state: 10:09
